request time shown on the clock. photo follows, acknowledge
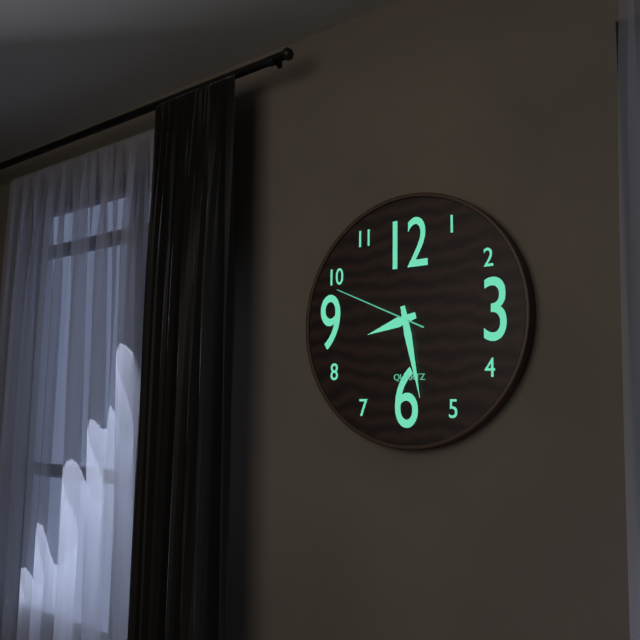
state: 8:28:49
